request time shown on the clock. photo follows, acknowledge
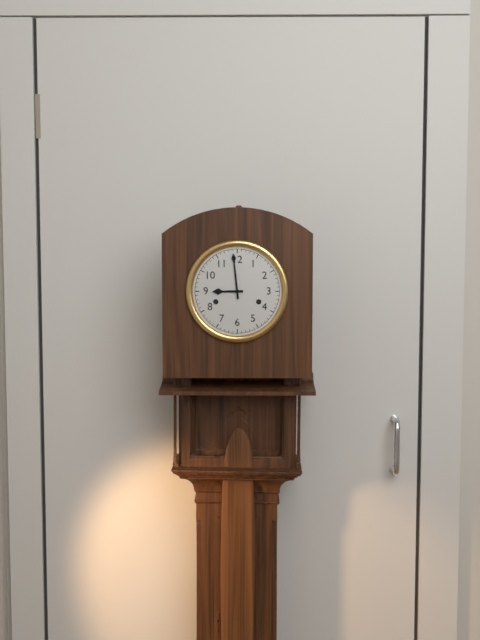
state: 8:59
